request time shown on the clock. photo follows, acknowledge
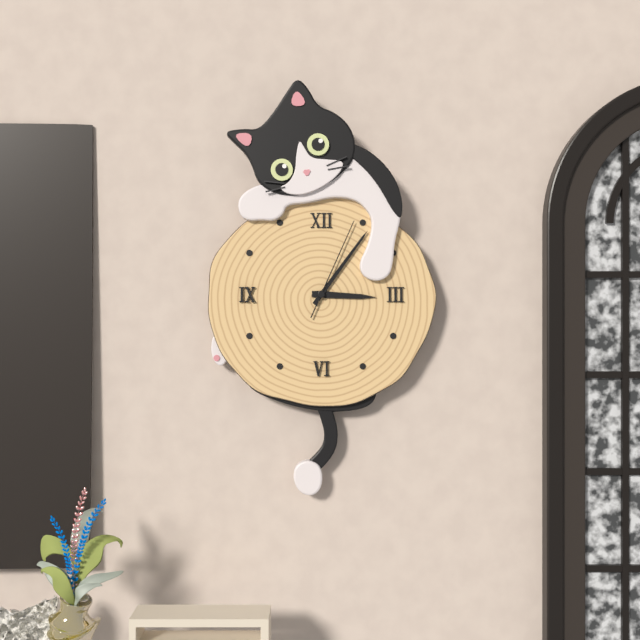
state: 3:06:04
